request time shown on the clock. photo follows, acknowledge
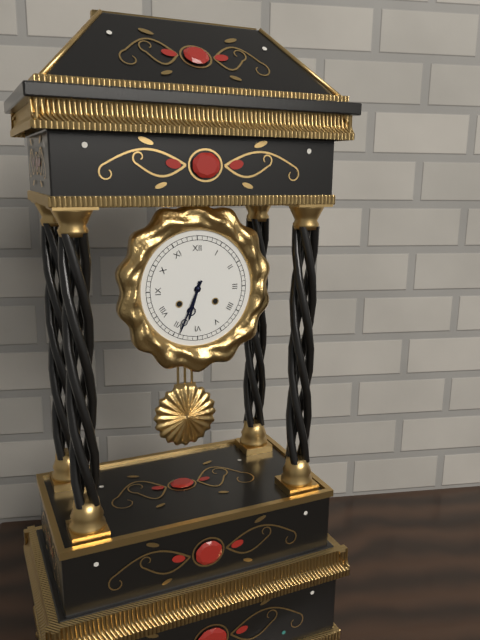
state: 6:34
